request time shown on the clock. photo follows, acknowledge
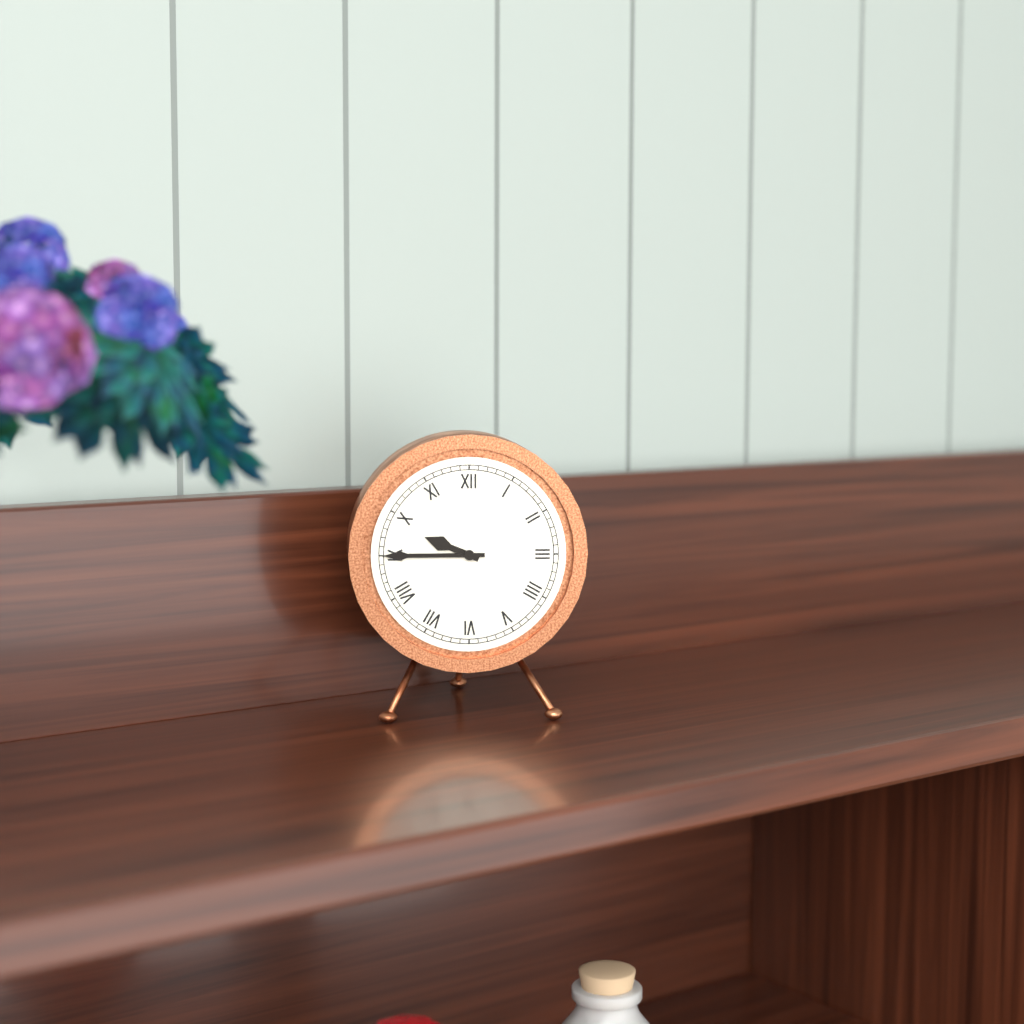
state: 9:45
